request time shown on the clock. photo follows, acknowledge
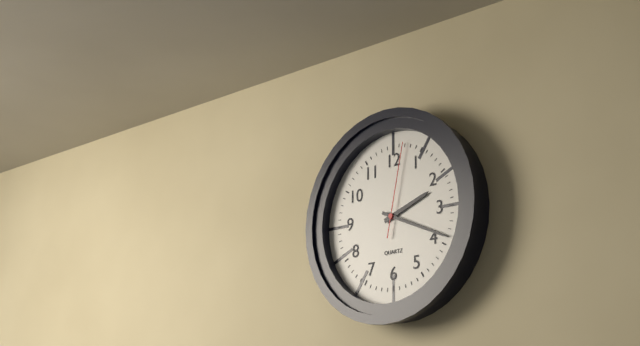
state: 2:19:02
